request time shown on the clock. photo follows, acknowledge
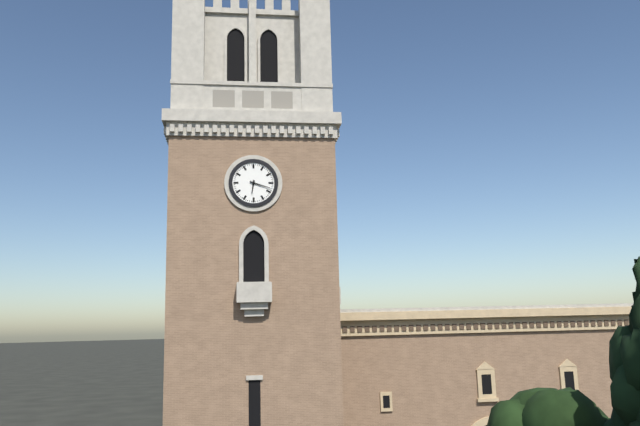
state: 6:18
